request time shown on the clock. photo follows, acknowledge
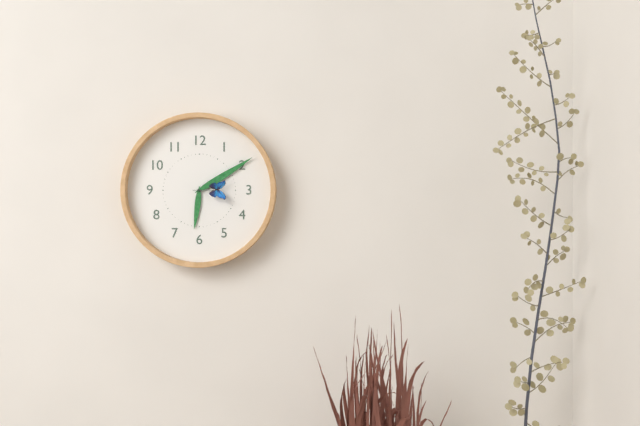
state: 6:10
